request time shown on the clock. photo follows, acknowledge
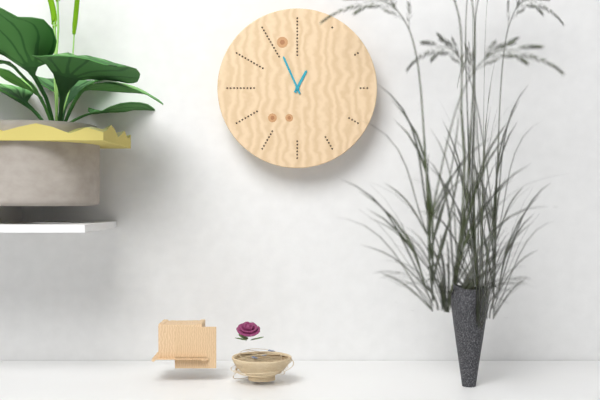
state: 12:56
